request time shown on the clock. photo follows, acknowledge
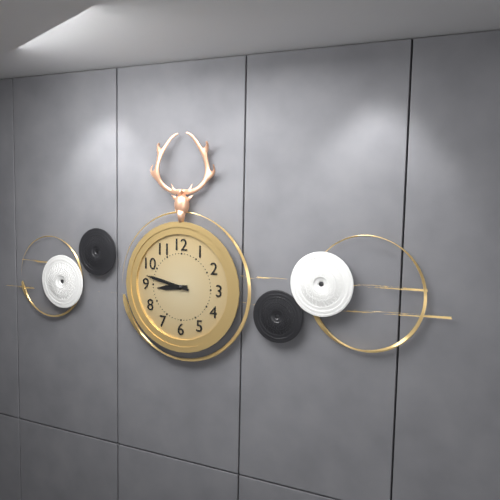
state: 8:47
